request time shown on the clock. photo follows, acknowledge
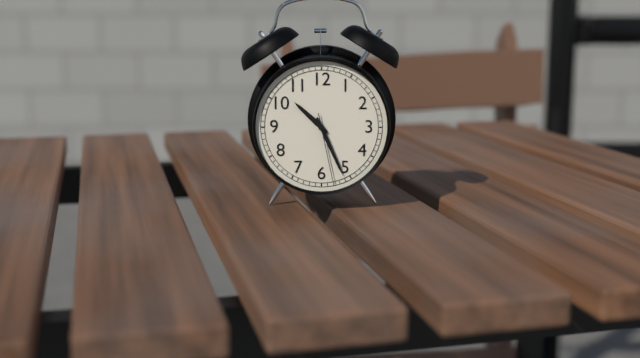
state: 10:26:28
